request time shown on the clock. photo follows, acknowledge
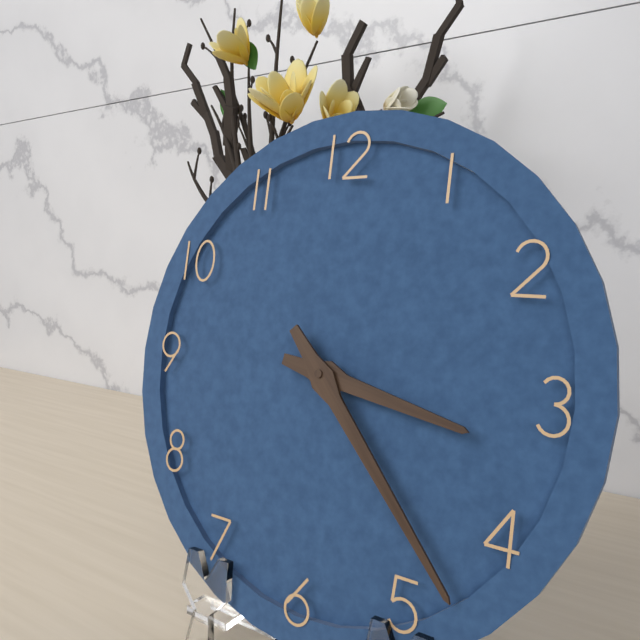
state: 3:23
